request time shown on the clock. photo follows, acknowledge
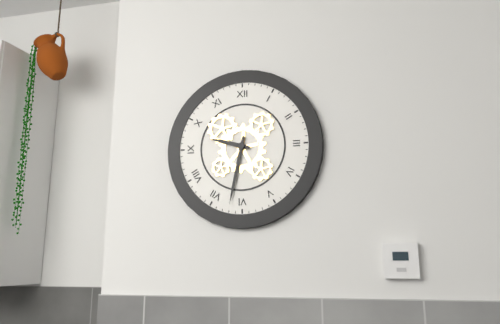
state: 9:32
